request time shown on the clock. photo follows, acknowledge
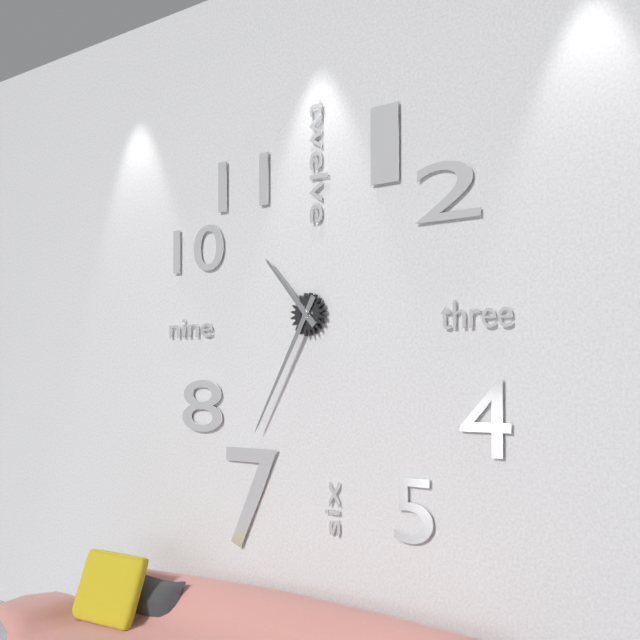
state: 10:35
